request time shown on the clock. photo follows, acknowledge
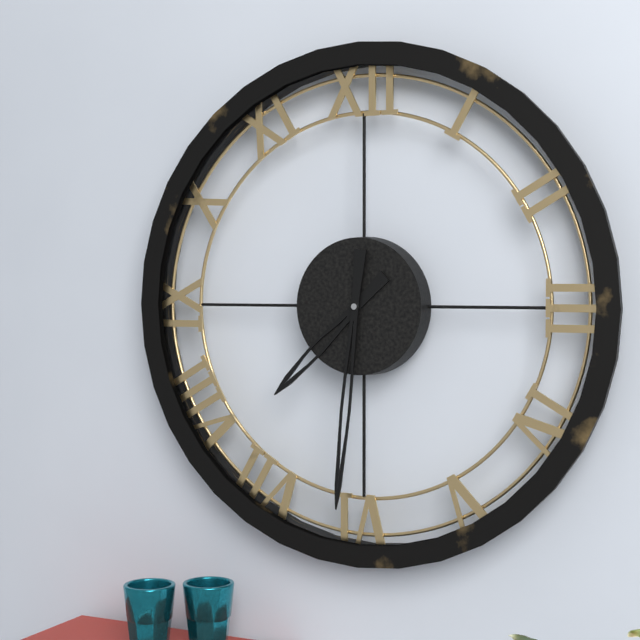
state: 7:31
